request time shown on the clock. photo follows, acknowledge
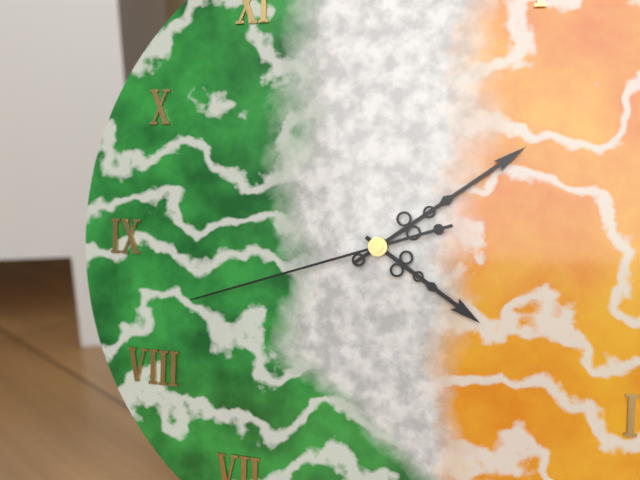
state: 4:09:42
